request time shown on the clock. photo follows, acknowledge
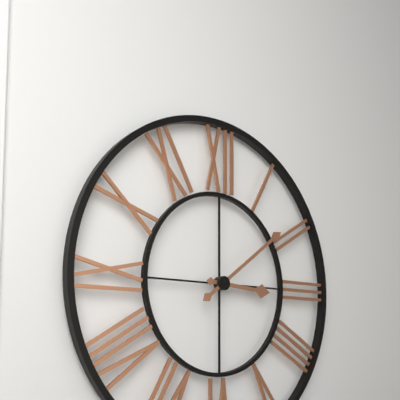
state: 3:09
